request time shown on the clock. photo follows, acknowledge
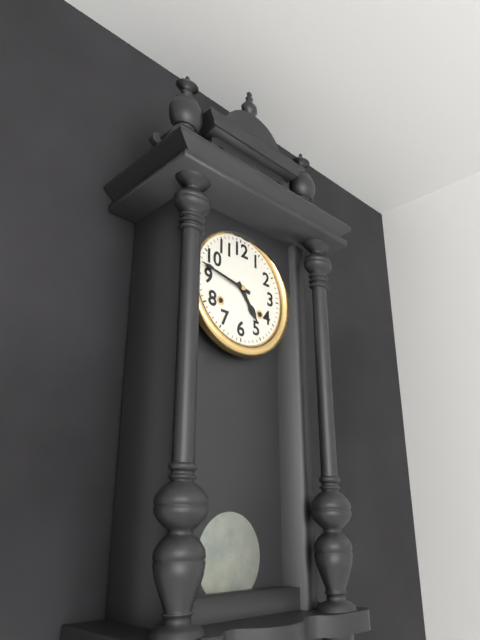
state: 4:47
